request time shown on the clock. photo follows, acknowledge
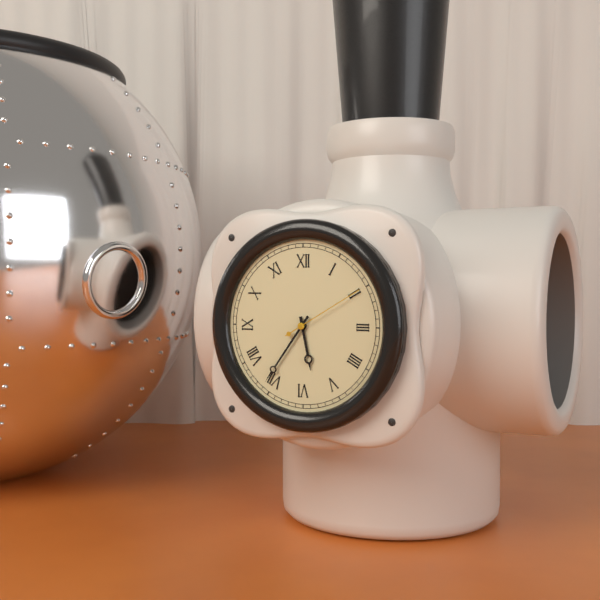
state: 5:36:10
